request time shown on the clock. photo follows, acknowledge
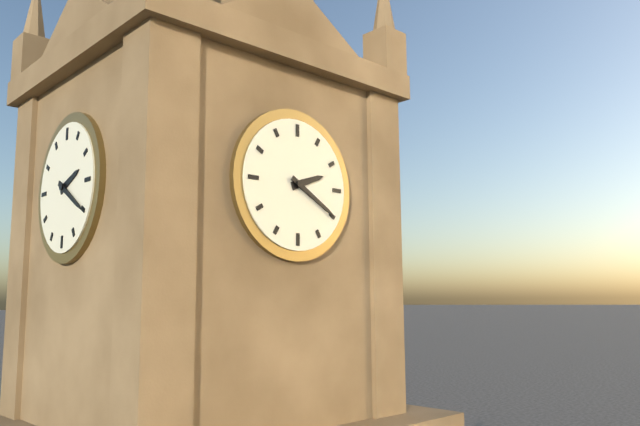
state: 2:20
